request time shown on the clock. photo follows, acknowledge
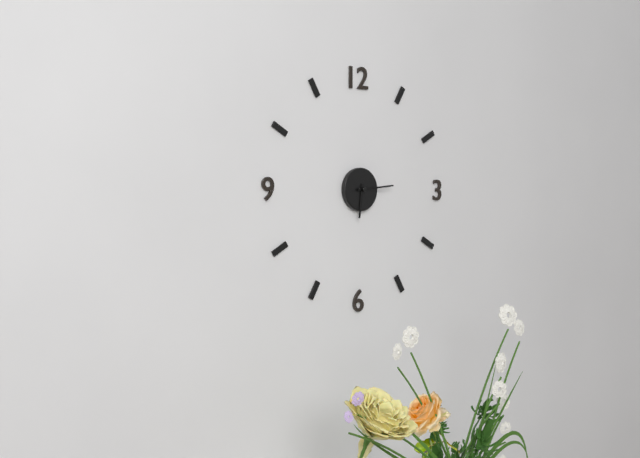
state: 6:14
